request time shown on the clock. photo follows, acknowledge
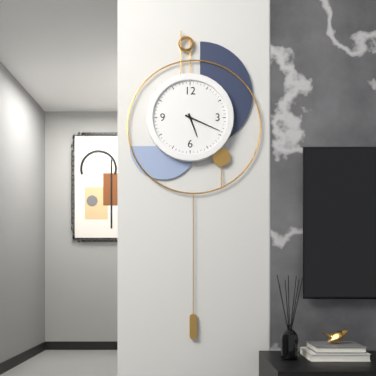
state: 5:19
